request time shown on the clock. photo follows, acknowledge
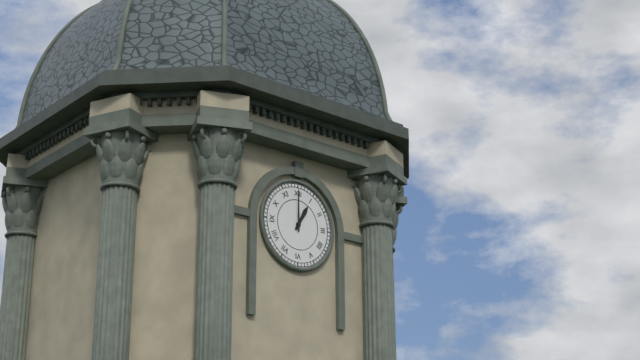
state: 1:00
